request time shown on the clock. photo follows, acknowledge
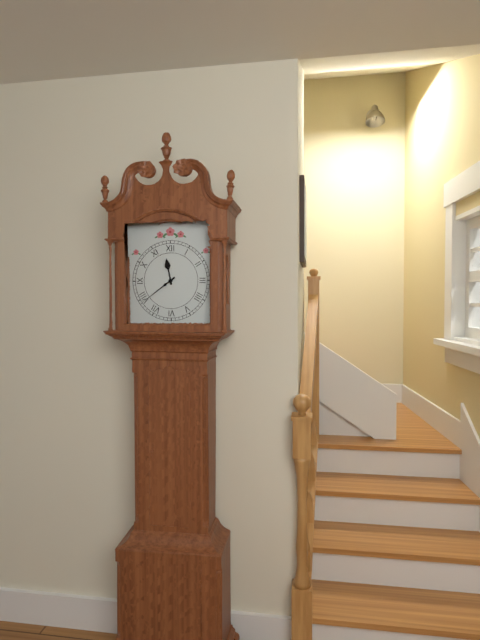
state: 11:39
